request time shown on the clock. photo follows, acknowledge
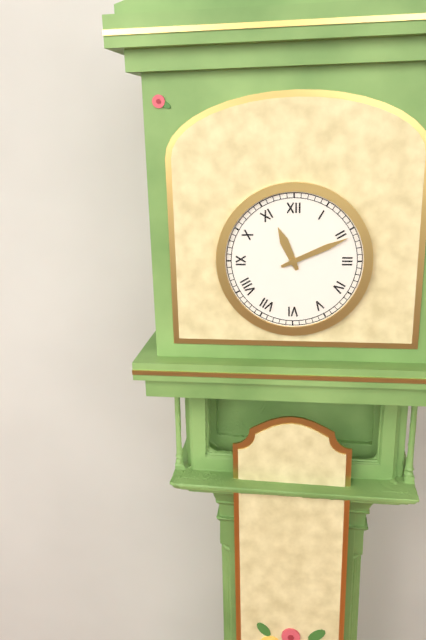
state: 11:11
